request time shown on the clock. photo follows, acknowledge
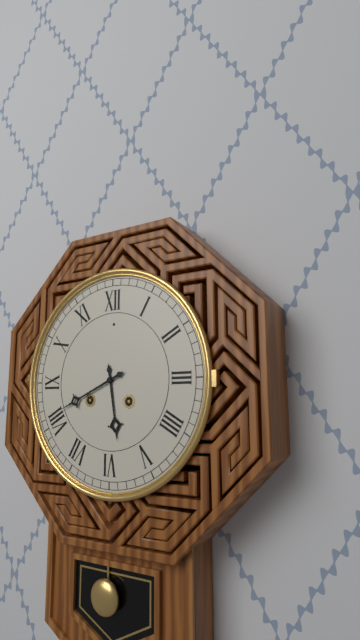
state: 5:41
